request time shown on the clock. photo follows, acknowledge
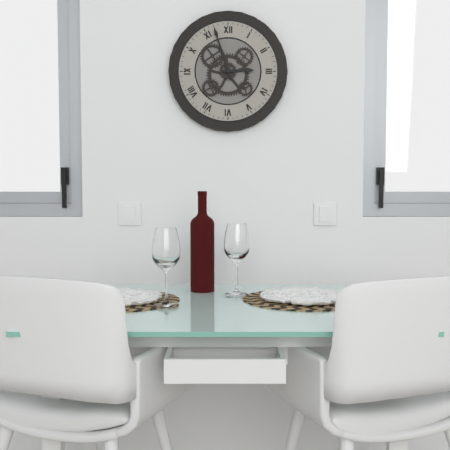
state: 2:57
